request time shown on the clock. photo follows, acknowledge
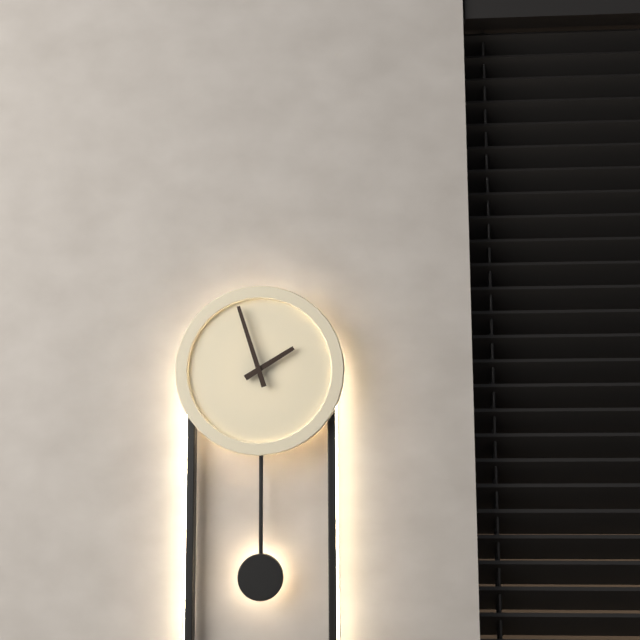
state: 1:57
